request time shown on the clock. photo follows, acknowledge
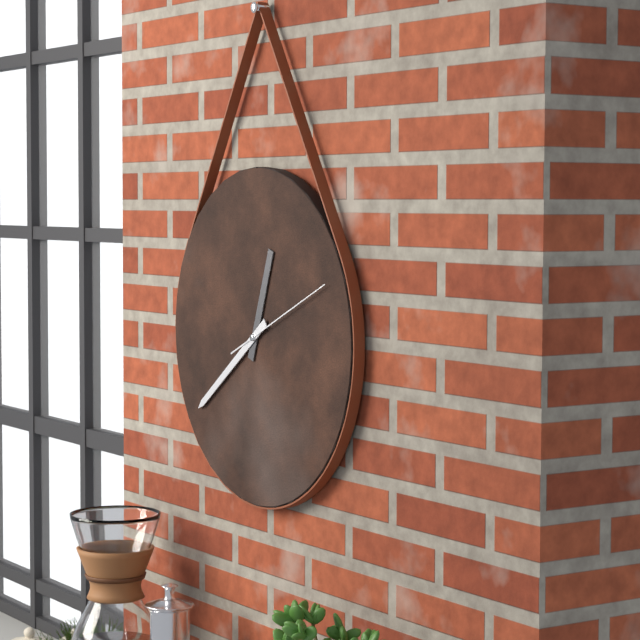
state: 12:39:11
